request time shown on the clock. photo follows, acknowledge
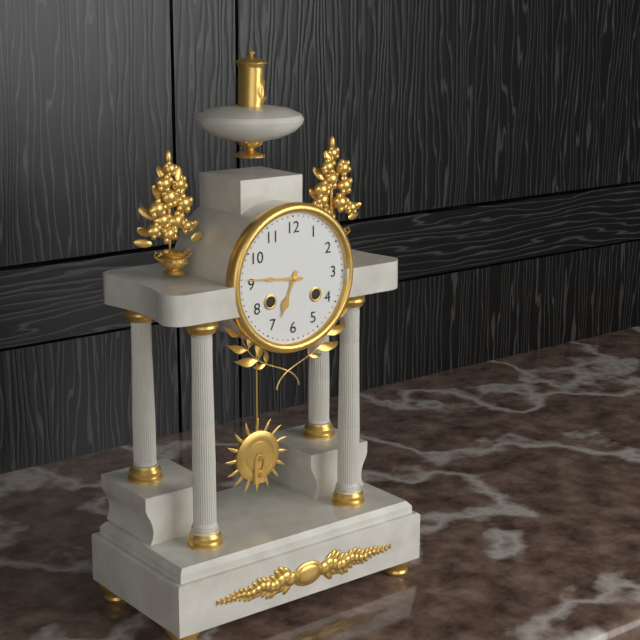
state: 6:46
